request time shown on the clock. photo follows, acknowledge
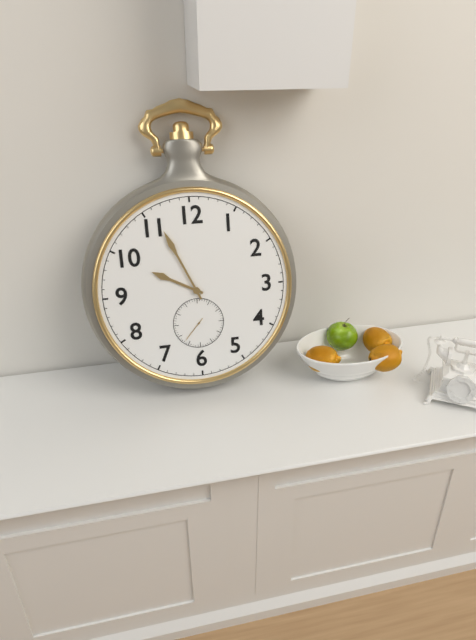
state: 9:56
